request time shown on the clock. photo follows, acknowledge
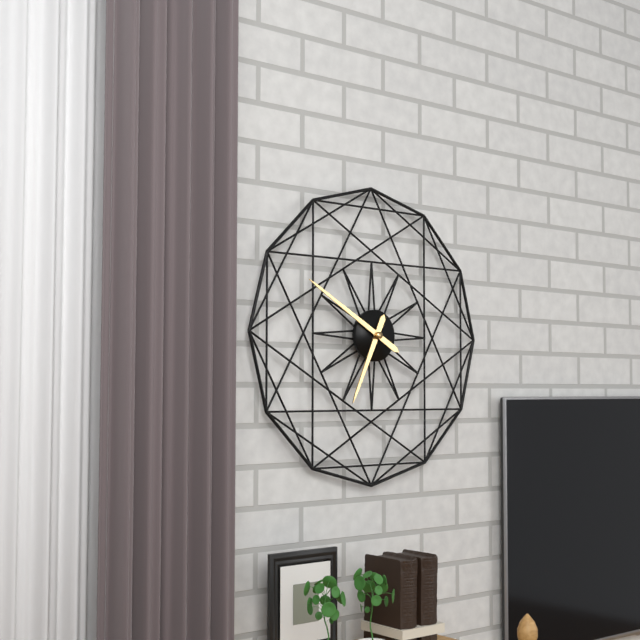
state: 6:50
